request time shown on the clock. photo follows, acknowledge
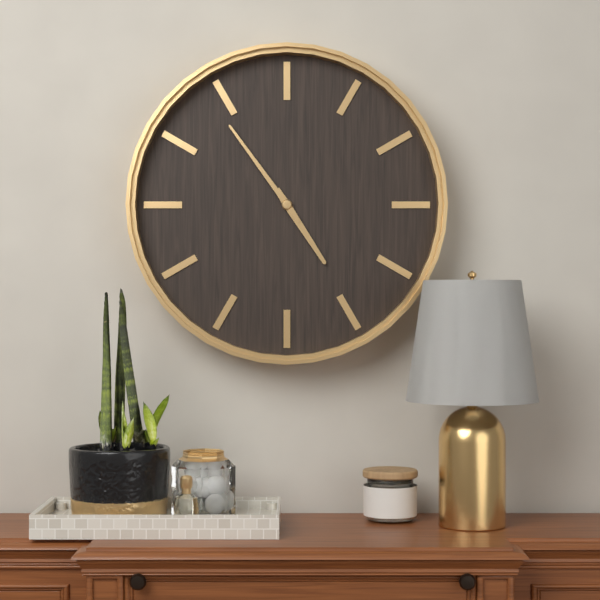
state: 4:54
